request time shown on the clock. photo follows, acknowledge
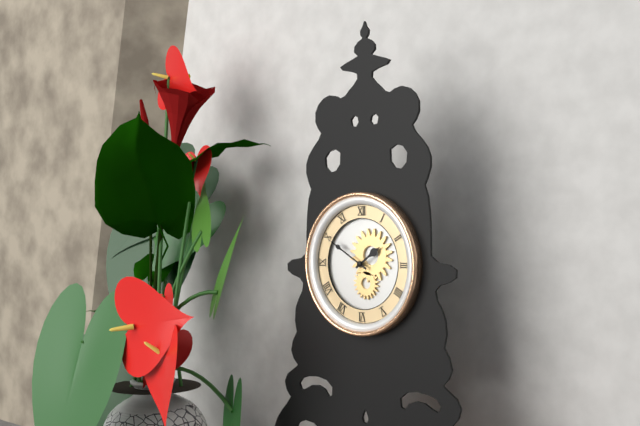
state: 1:50
